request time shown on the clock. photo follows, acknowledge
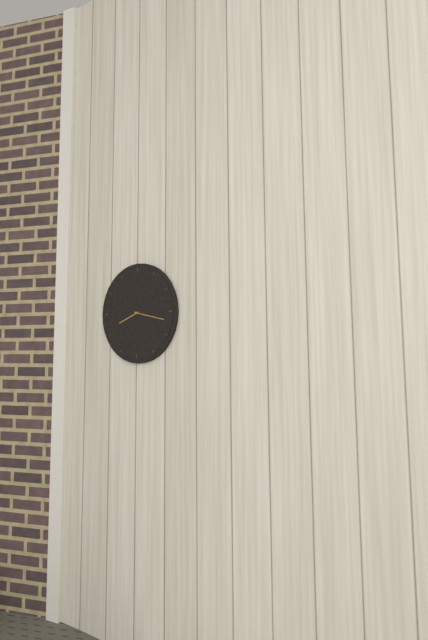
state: 8:17
